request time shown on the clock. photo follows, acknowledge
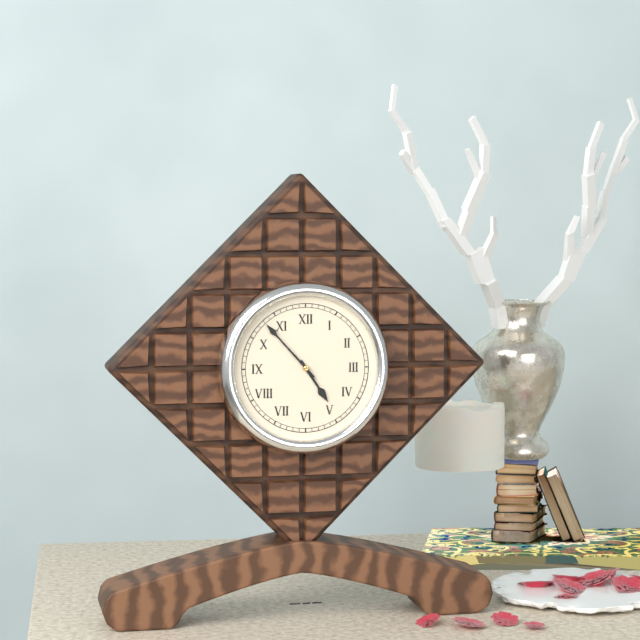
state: 4:53
